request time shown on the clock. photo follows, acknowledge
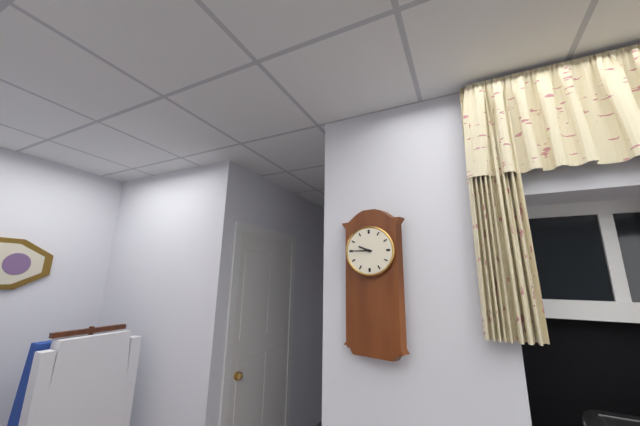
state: 9:45
